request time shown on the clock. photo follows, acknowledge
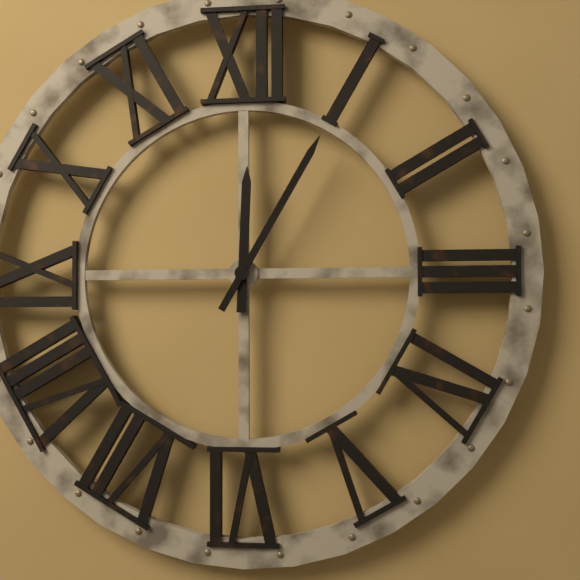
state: 12:05
